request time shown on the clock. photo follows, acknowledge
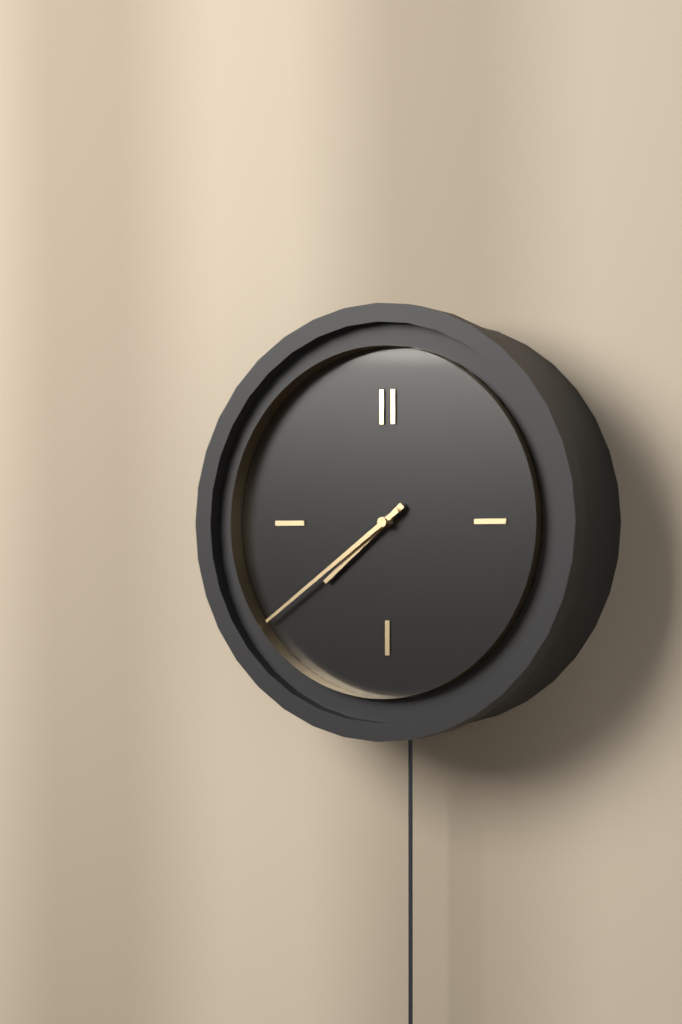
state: 7:39
